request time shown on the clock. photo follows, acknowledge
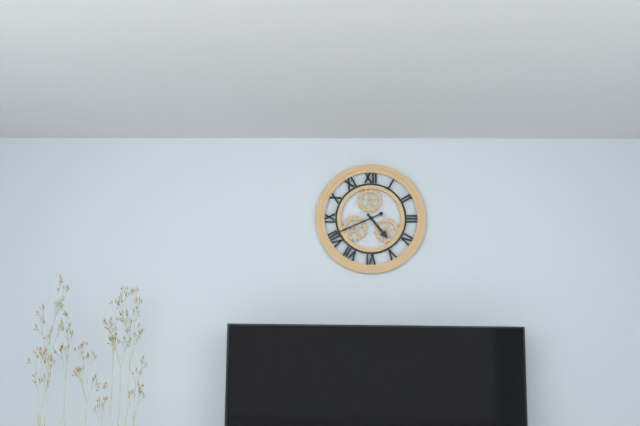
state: 4:41
